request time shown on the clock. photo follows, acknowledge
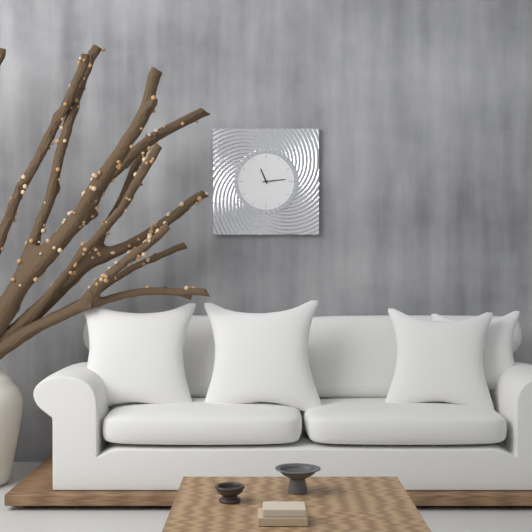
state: 11:14
